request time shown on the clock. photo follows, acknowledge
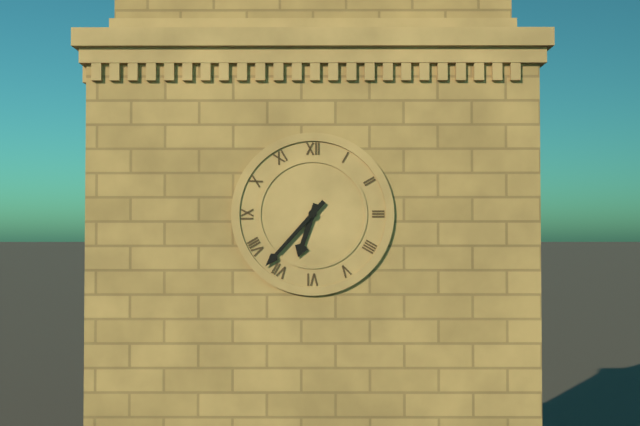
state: 6:37
